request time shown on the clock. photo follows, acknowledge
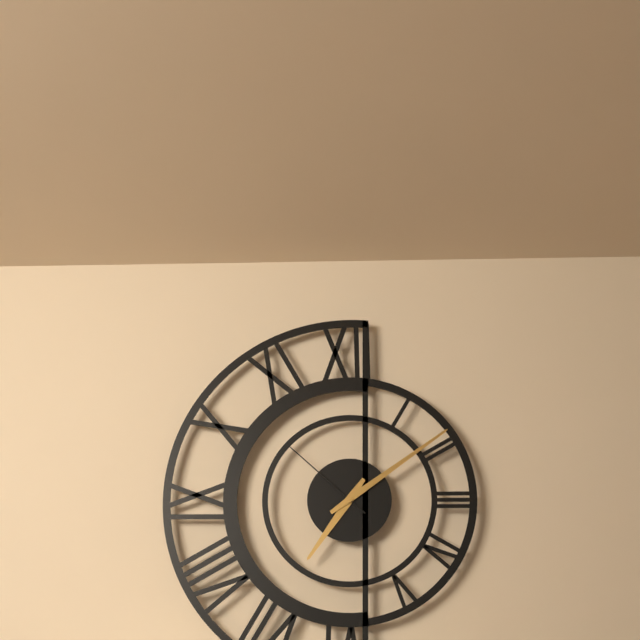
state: 7:09:52
